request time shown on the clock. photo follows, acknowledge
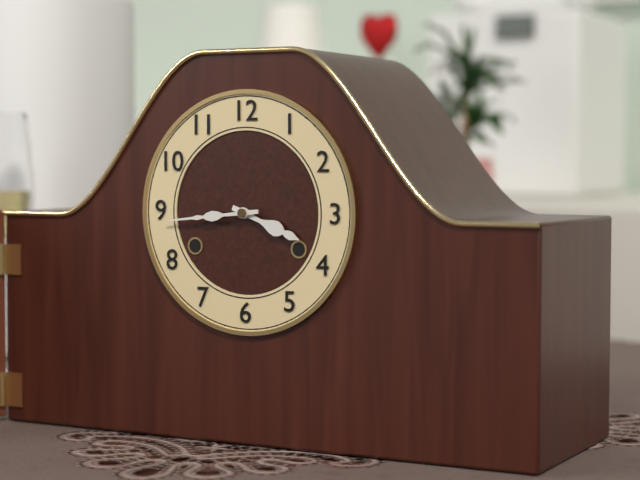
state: 3:44
